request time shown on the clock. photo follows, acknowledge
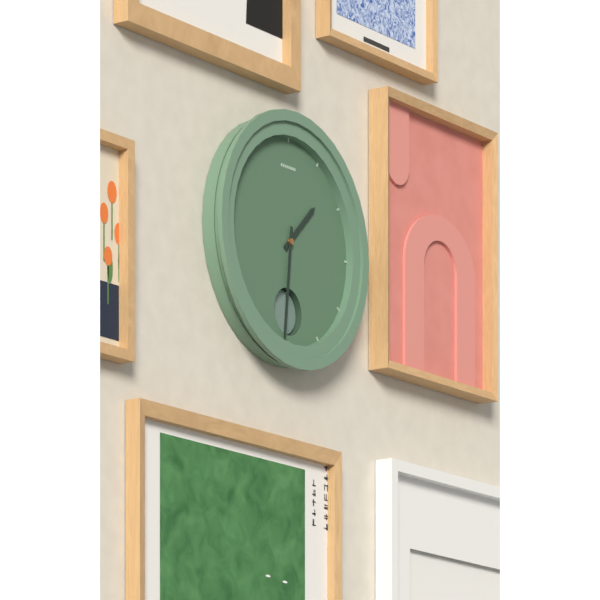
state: 1:31
